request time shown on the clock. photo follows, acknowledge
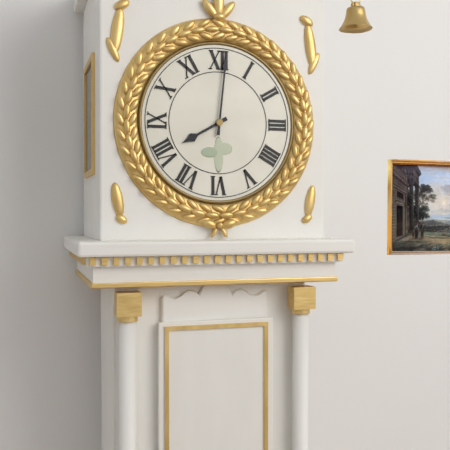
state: 8:01
